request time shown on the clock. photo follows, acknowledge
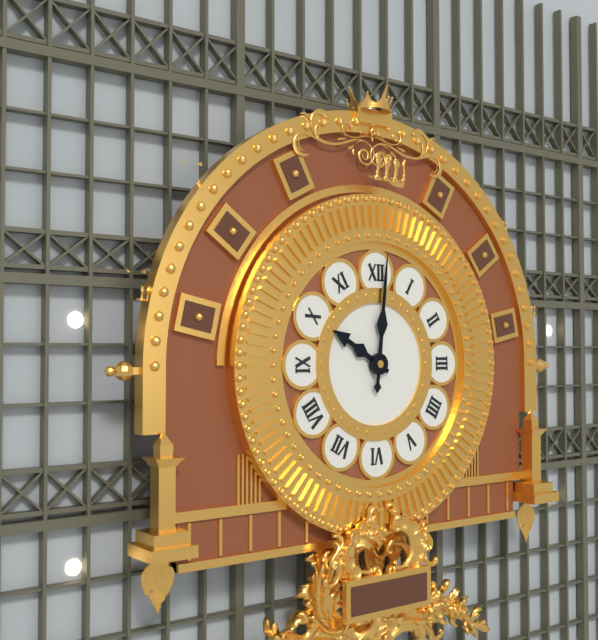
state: 10:01
